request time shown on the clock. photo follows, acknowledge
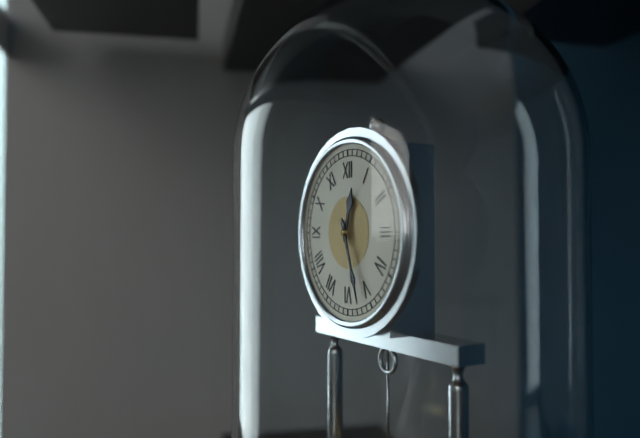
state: 12:27
